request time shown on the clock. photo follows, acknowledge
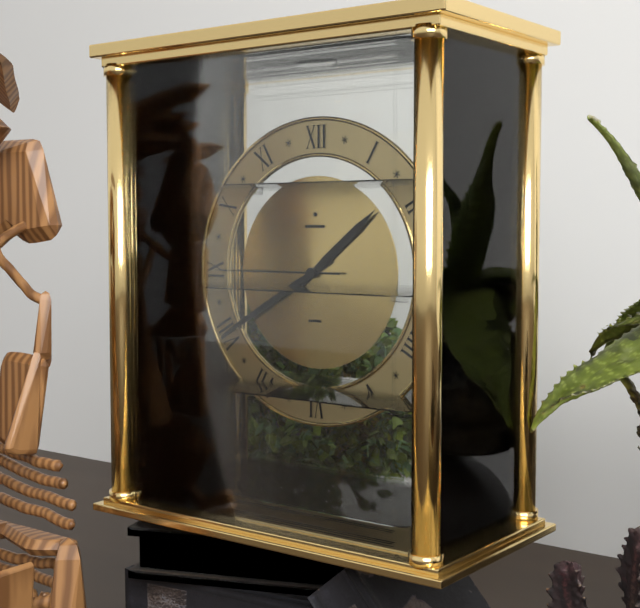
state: 1:40:45
